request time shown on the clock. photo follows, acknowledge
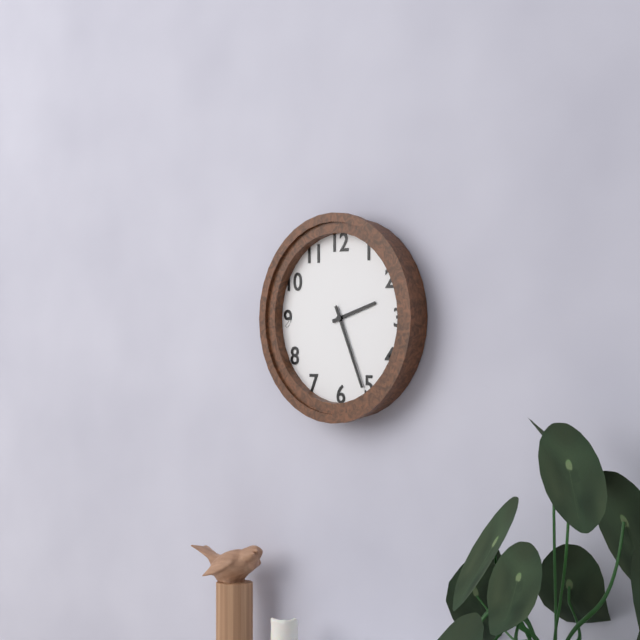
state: 2:26
